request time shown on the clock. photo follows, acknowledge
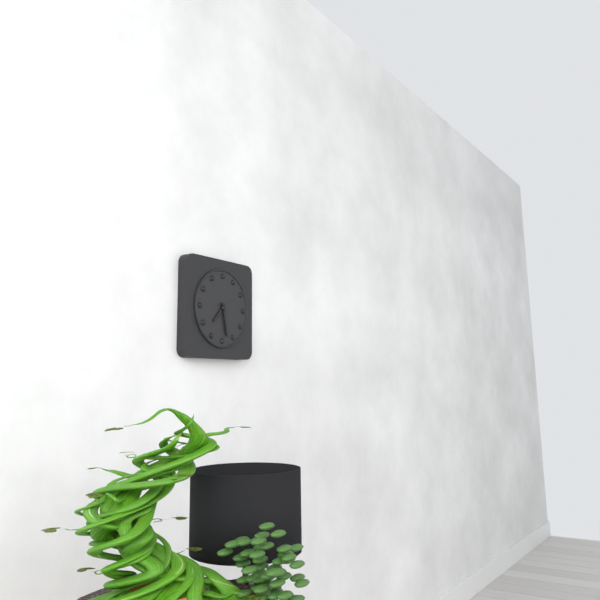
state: 7:28
